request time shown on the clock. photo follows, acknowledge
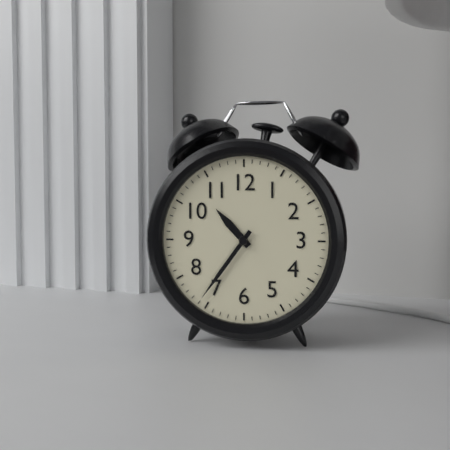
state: 10:36
